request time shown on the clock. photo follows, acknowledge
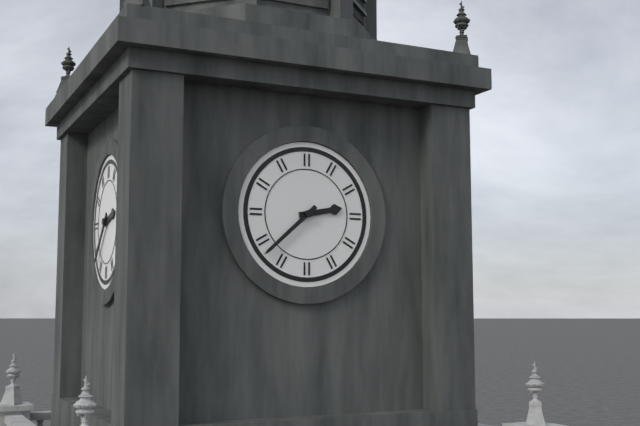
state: 2:38
